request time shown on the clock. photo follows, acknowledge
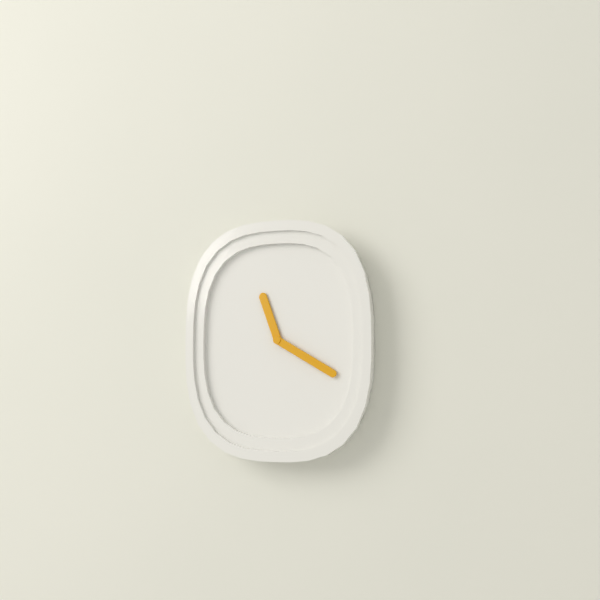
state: 11:20
